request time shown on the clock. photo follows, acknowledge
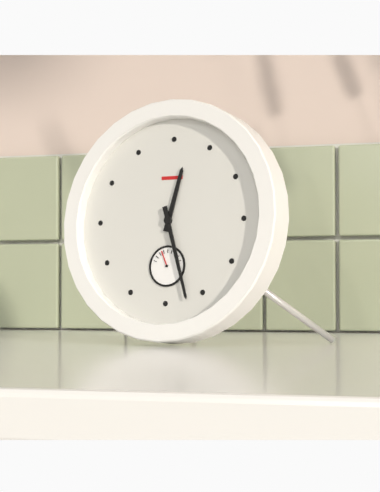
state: 12:27
